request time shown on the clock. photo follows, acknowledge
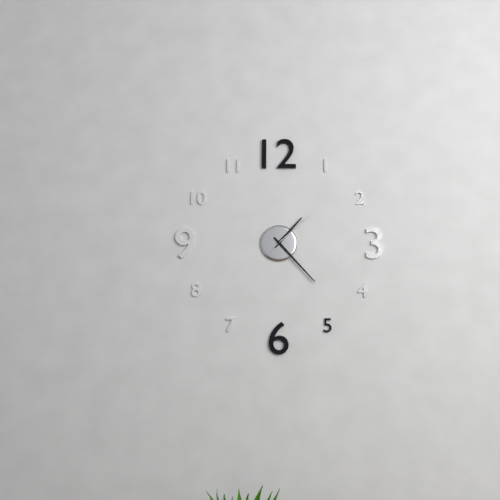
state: 1:23:08
